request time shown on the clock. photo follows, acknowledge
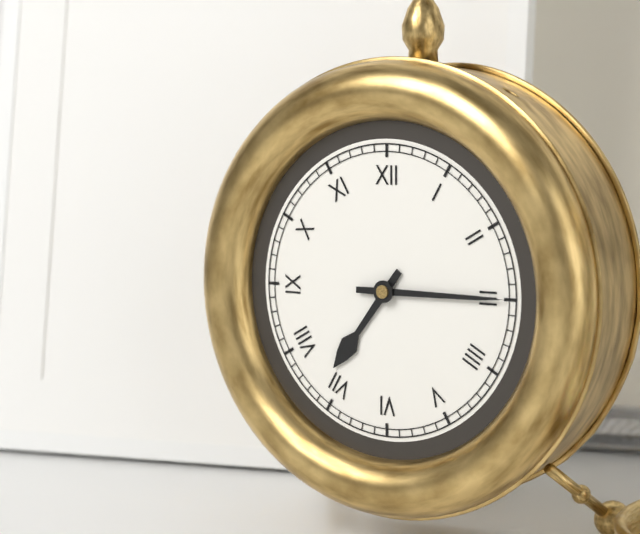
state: 7:15
